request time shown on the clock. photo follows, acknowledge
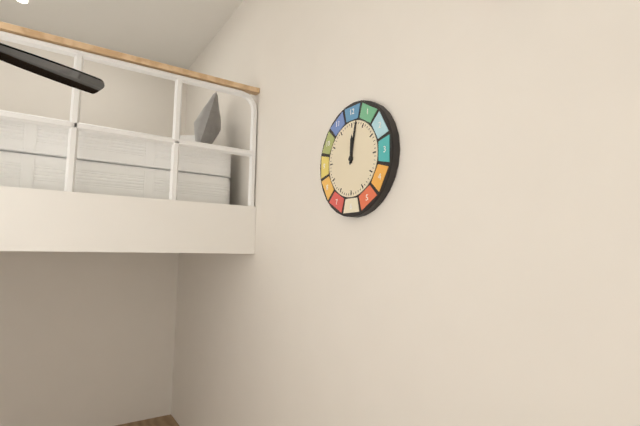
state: 12:02
